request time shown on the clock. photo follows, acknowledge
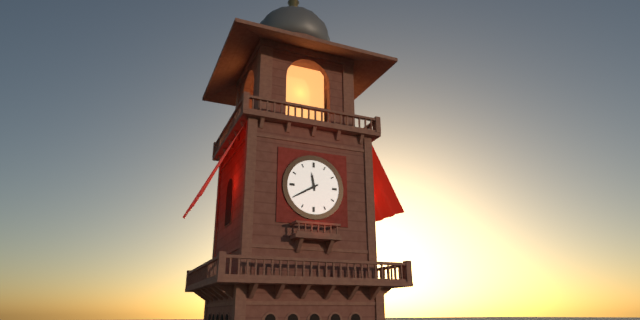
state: 11:40
